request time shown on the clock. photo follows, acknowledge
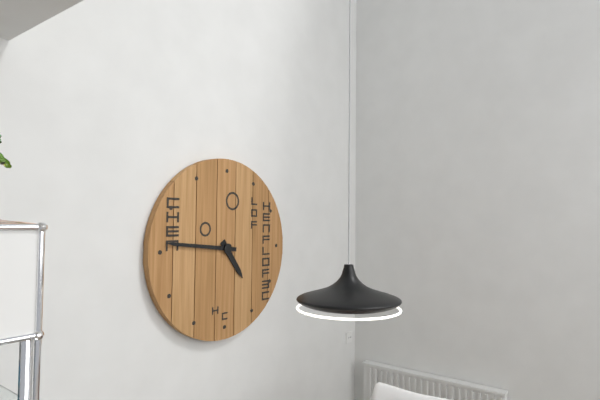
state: 4:46
